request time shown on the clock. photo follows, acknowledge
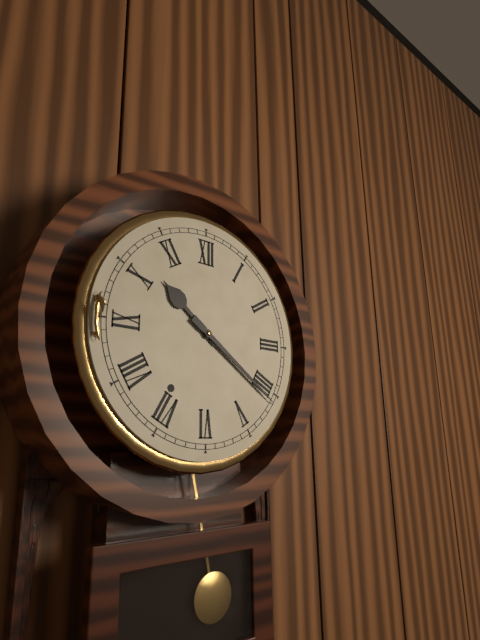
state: 10:21
